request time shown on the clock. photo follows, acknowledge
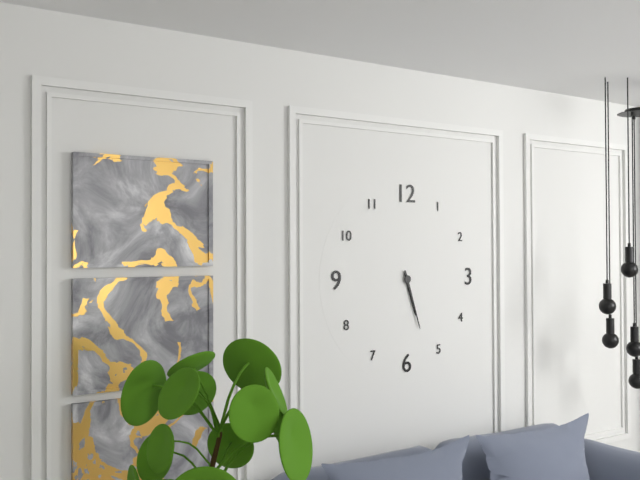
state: 5:27
